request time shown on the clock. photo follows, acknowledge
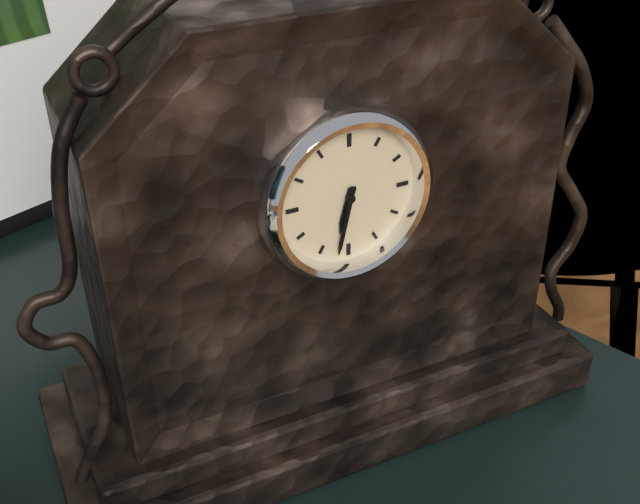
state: 6:32
